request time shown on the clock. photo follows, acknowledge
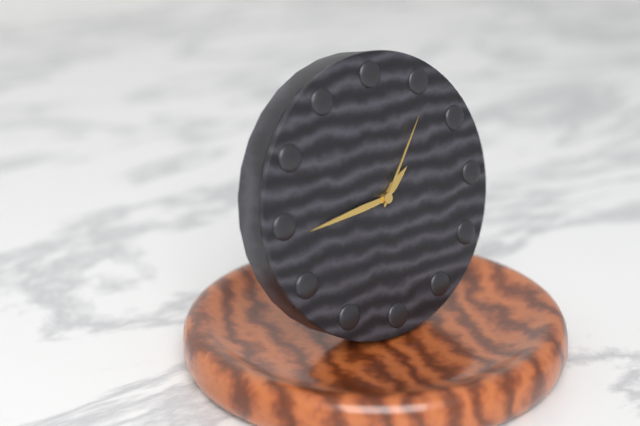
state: 1:44:06
